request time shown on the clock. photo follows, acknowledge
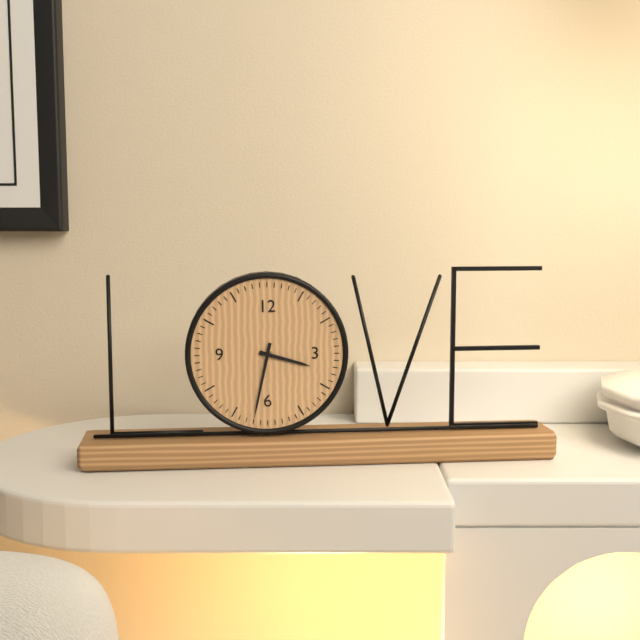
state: 3:32
